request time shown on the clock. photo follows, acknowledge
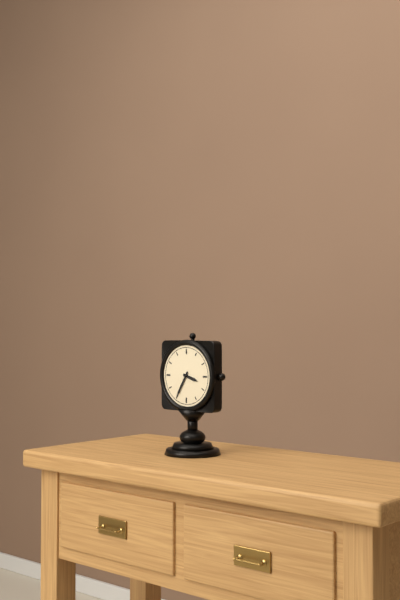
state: 3:35
